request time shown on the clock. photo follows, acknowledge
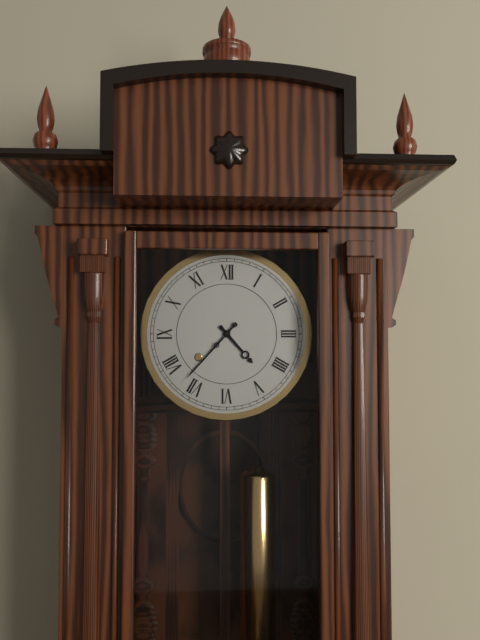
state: 4:37
